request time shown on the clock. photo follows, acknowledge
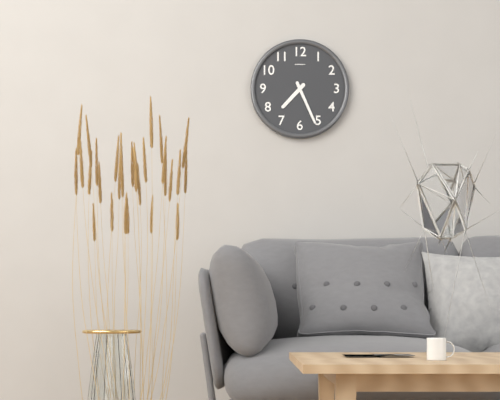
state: 7:26
